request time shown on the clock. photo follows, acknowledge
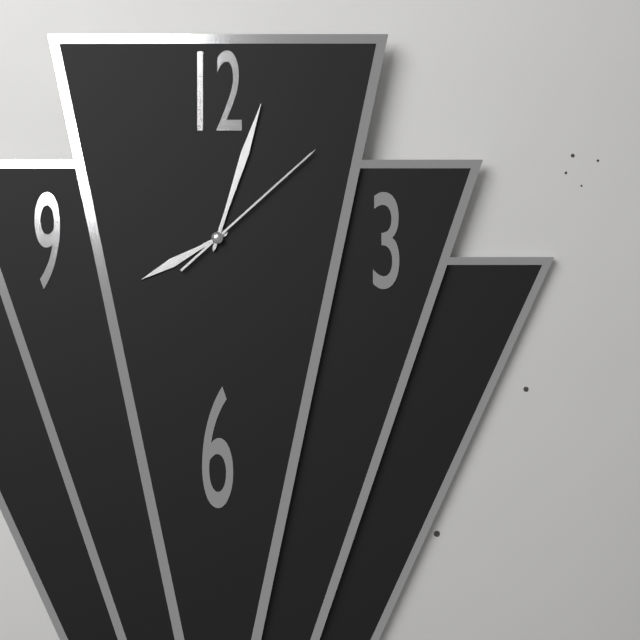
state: 8:03:08
